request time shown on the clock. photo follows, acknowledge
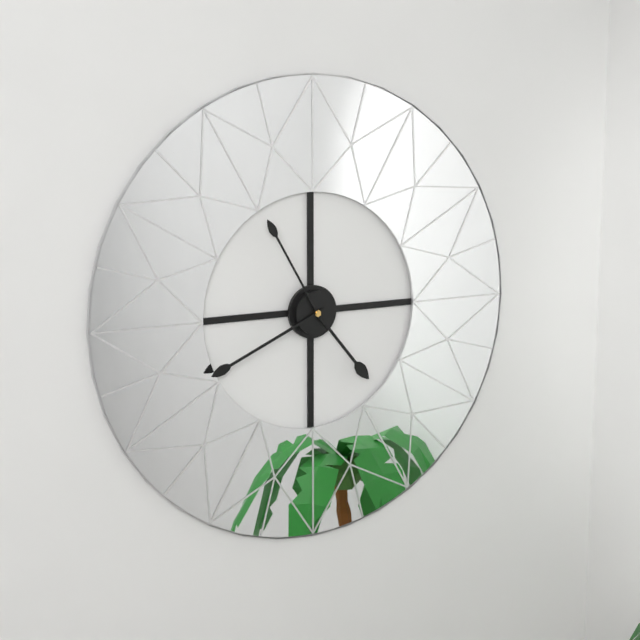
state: 4:41:55
